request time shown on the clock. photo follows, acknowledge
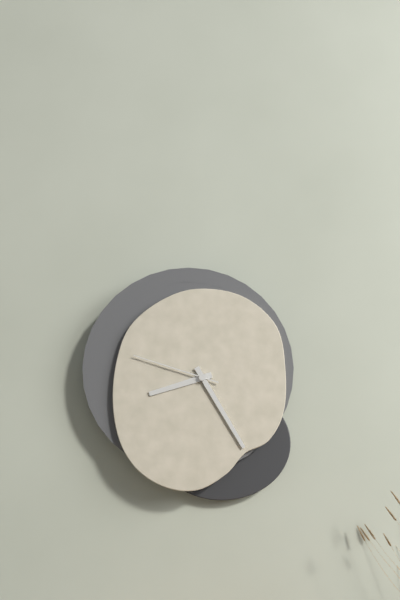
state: 8:25:48
